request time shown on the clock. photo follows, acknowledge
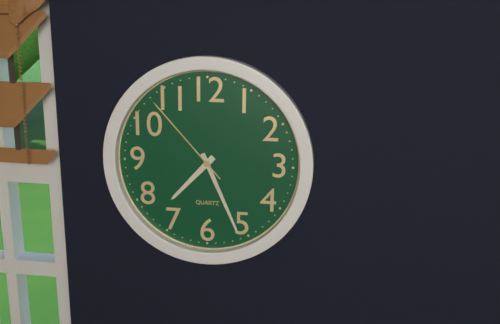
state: 7:26:53
